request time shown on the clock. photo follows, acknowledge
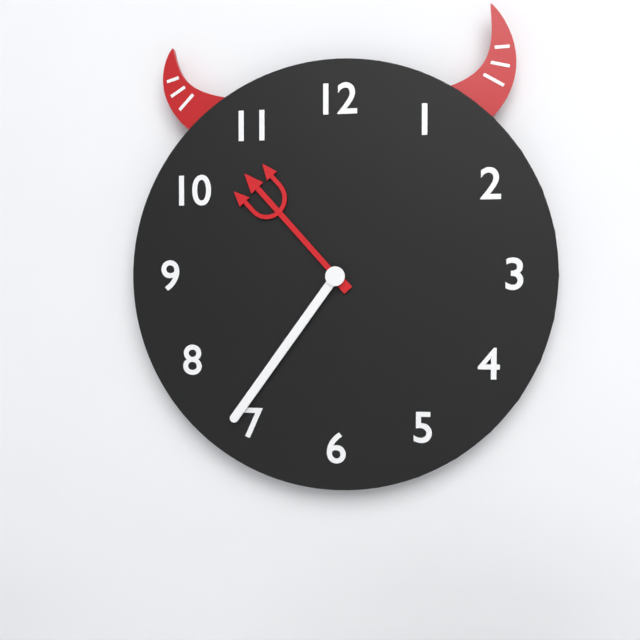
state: 10:36
